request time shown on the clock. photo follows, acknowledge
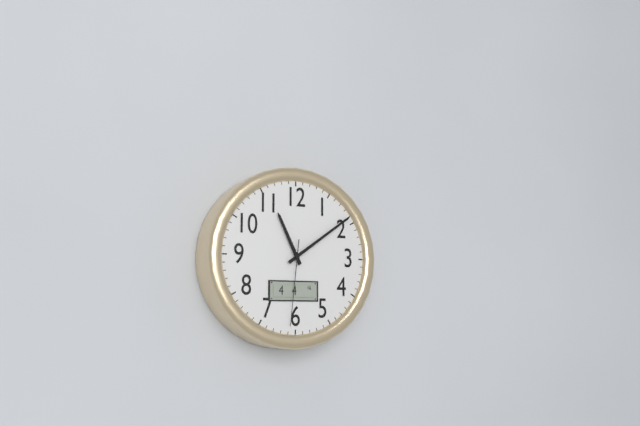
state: 11:09:31
